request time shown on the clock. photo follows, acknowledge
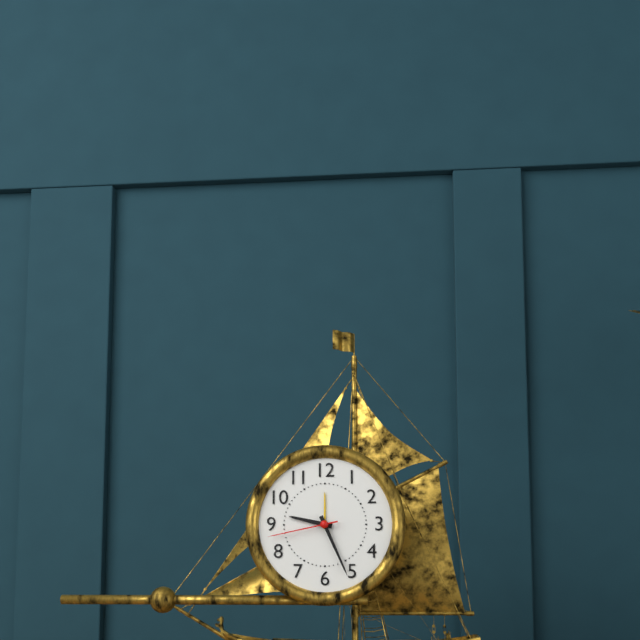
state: 9:26:43
